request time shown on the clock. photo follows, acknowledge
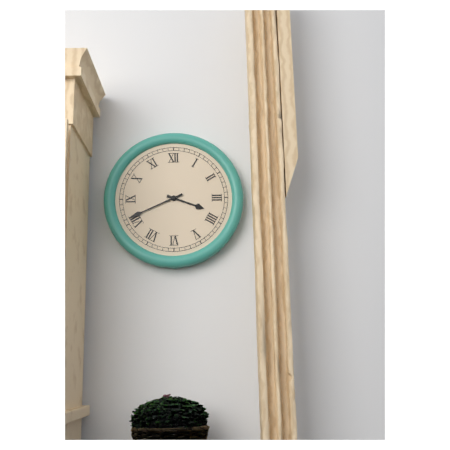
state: 3:41
